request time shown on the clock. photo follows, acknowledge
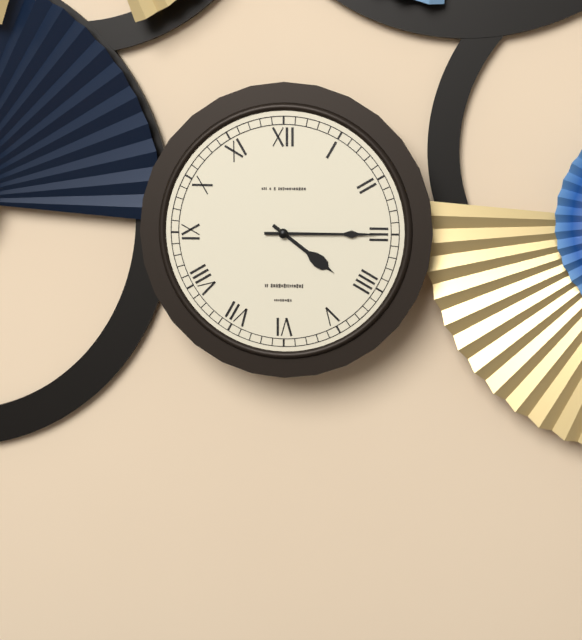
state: 4:15
